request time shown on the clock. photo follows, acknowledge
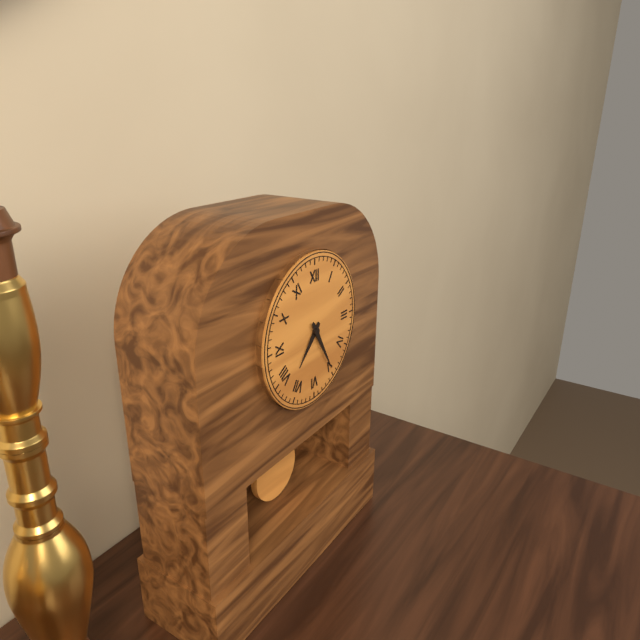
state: 7:25
